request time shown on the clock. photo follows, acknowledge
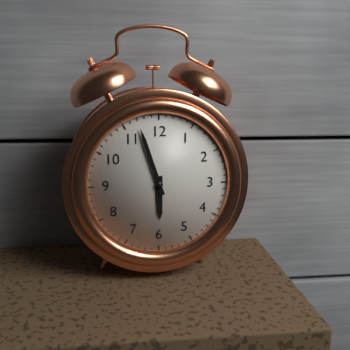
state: 5:57
